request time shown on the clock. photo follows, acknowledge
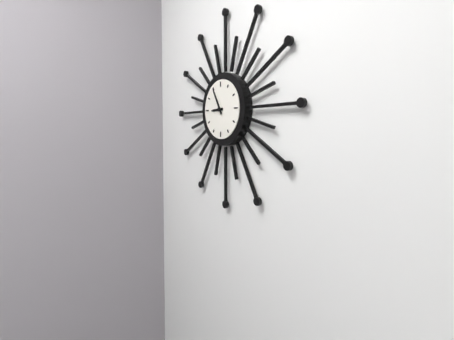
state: 8:55
